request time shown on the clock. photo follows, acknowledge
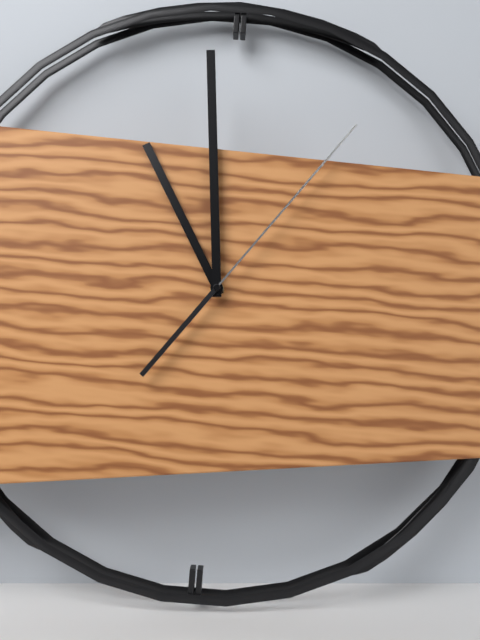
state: 10:59:06
